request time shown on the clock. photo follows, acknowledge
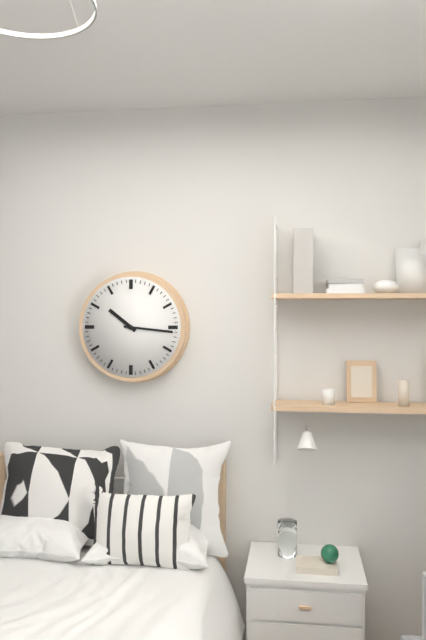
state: 10:16
